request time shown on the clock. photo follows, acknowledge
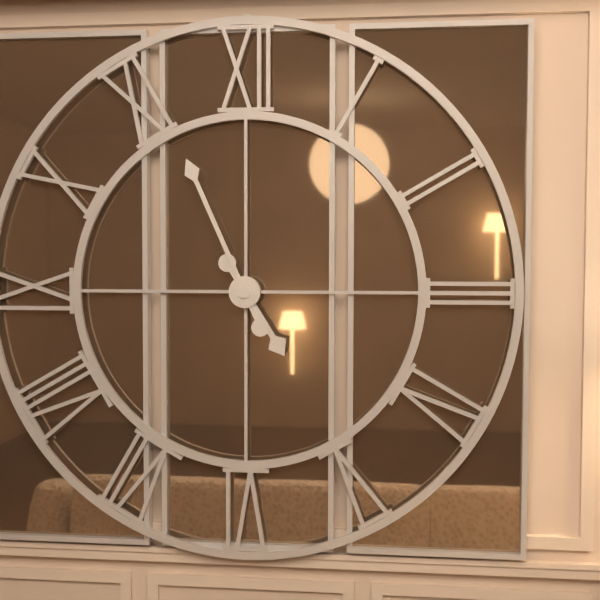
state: 4:56
